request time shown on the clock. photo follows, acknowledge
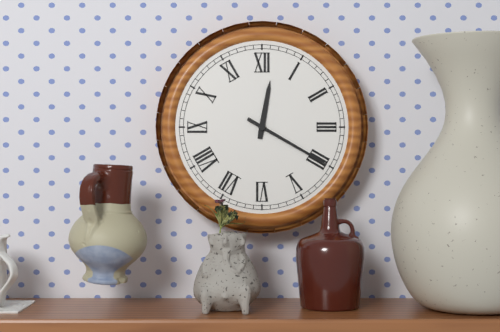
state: 12:20
